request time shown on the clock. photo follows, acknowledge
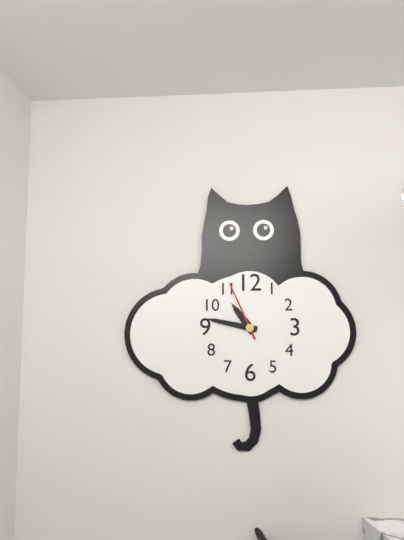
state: 10:47:56
